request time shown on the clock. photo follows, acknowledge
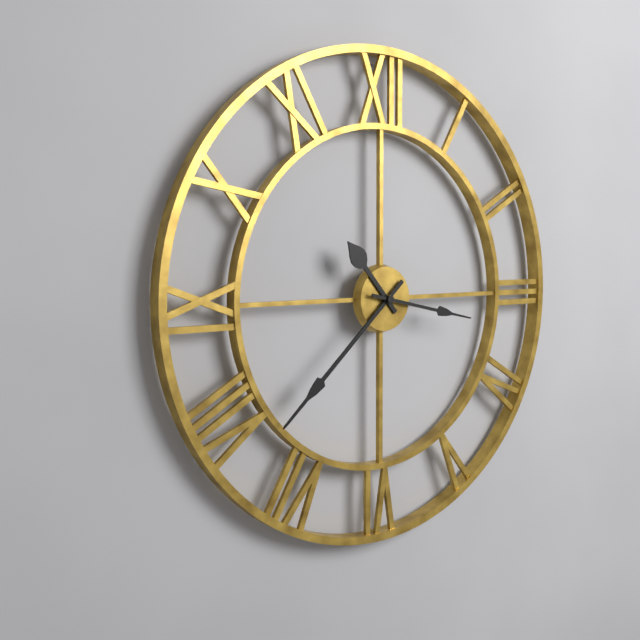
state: 10:38:17
